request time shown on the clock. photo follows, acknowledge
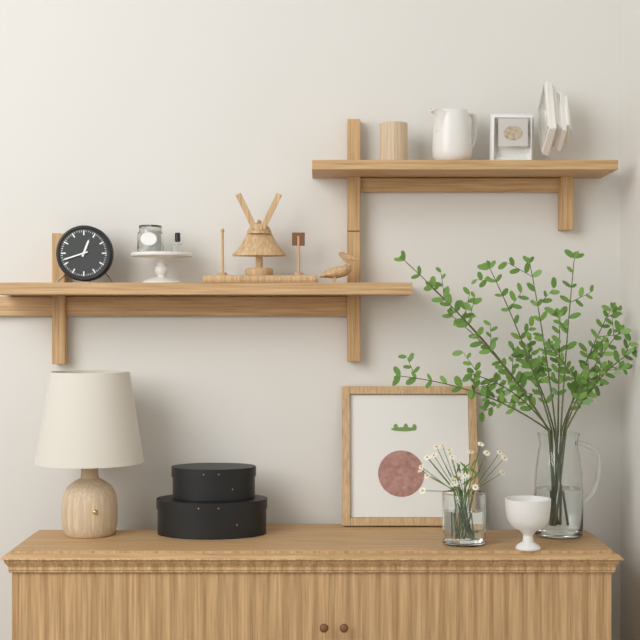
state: 12:42
